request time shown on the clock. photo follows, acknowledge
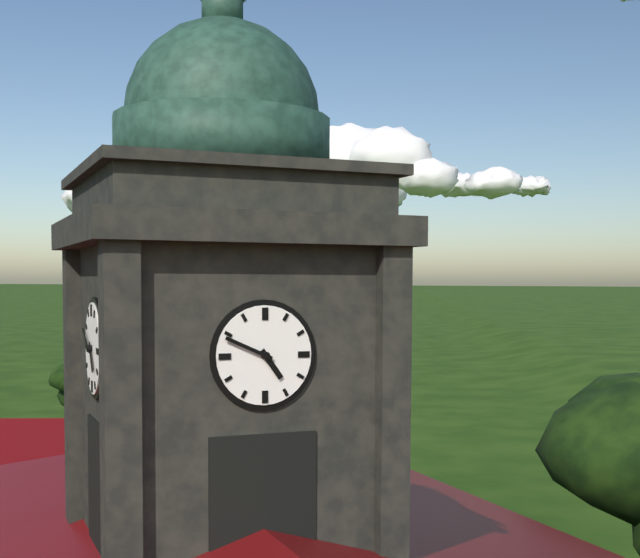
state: 4:49
